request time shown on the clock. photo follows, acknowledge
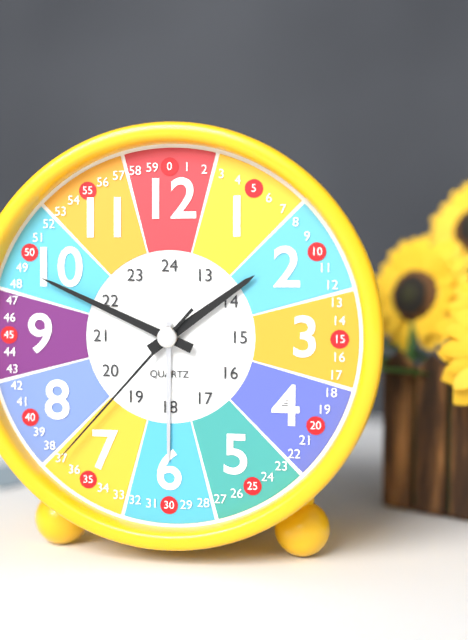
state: 1:49:37
